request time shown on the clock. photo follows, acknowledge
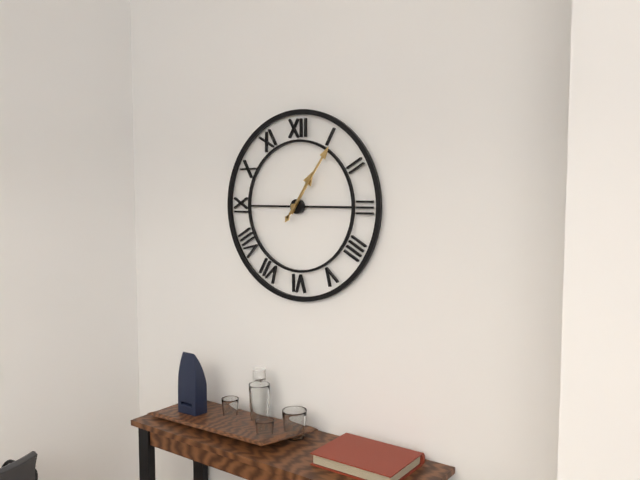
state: 1:06
